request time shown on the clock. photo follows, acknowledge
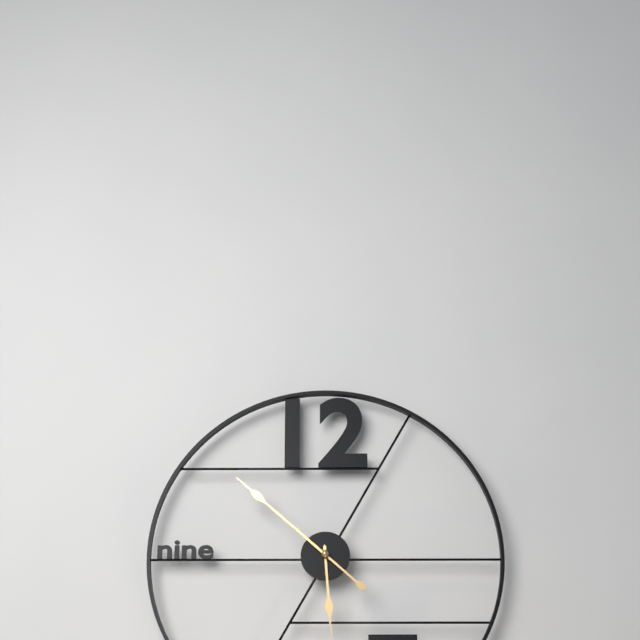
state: 5:52
